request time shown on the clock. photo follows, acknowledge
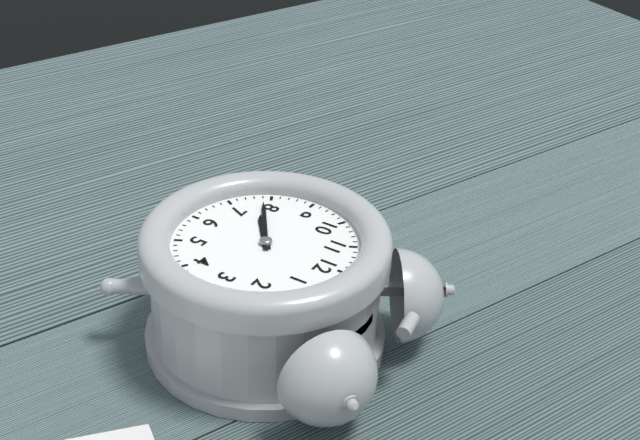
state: 7:39
